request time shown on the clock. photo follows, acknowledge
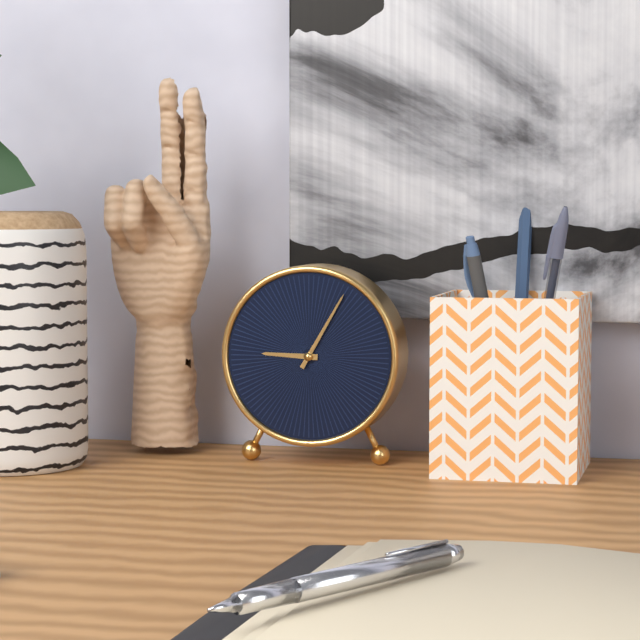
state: 9:05
